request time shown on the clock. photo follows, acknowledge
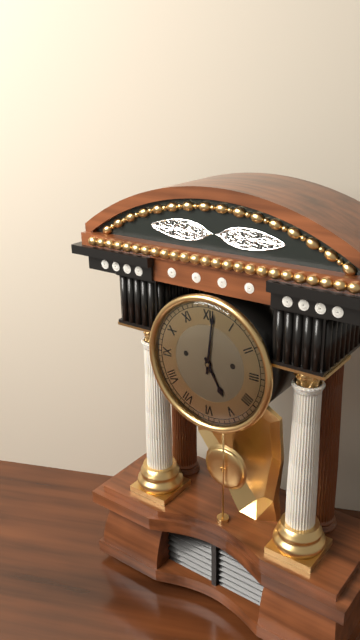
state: 5:01
